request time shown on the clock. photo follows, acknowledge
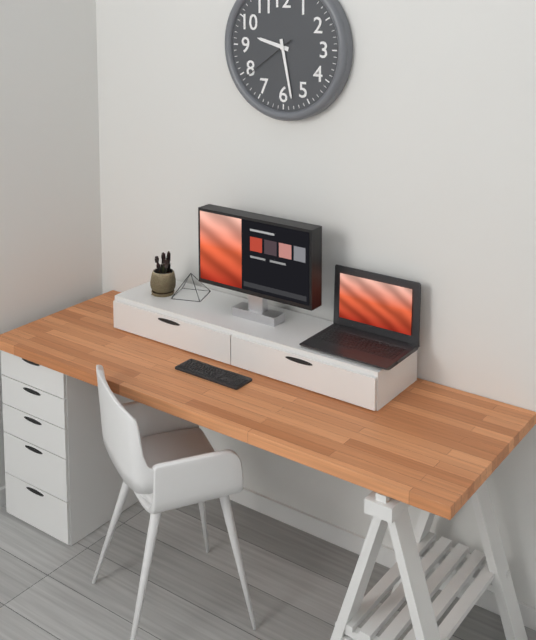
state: 9:28:39
